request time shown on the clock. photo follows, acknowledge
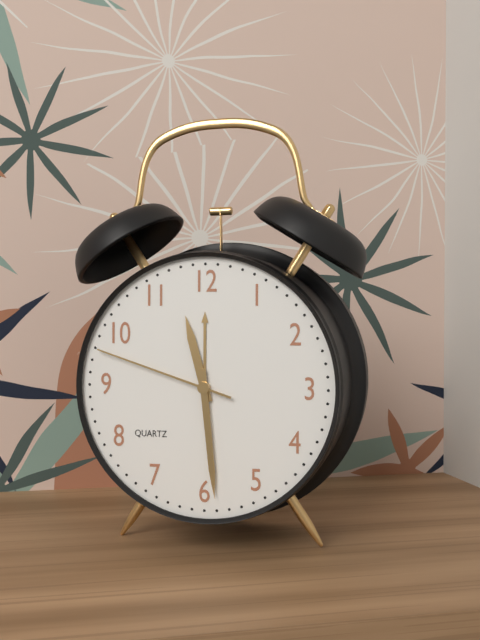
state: 11:29:48
